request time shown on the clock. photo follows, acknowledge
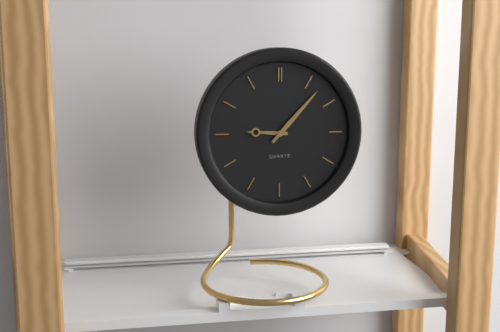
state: 9:07
